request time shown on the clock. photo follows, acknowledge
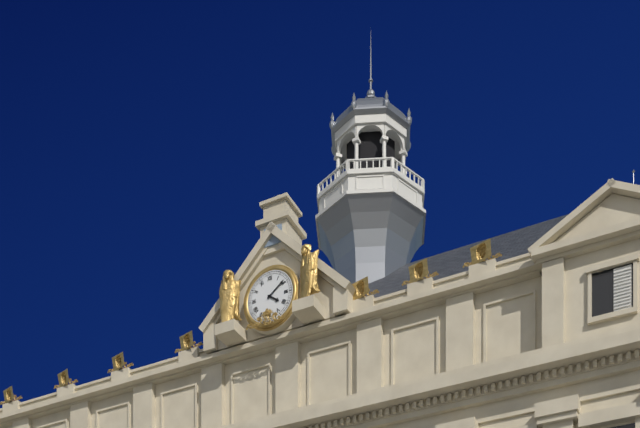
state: 4:09
